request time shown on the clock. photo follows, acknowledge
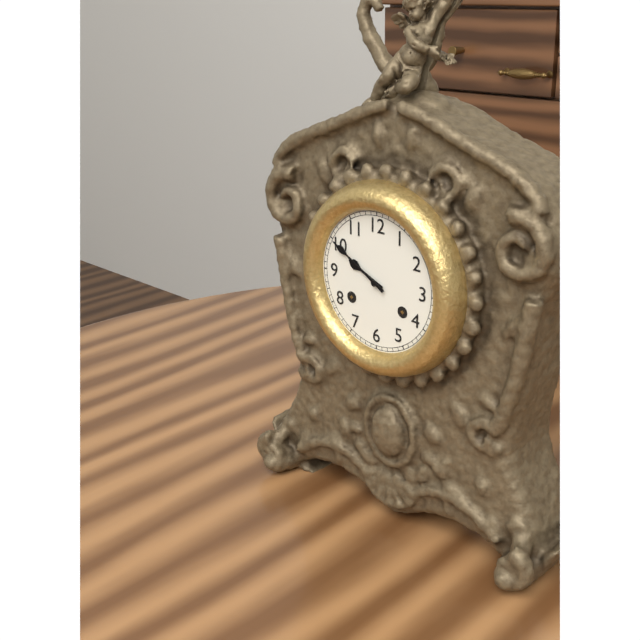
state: 9:50
